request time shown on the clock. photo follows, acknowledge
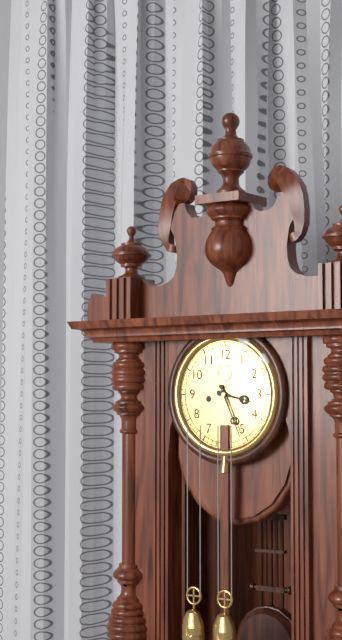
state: 3:26
